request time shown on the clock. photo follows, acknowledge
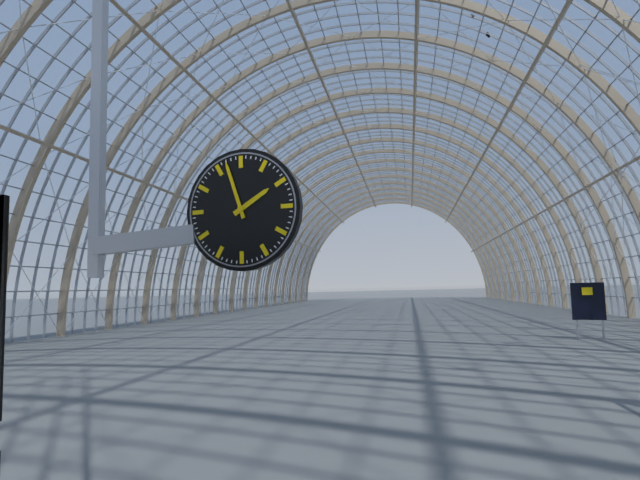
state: 1:57
